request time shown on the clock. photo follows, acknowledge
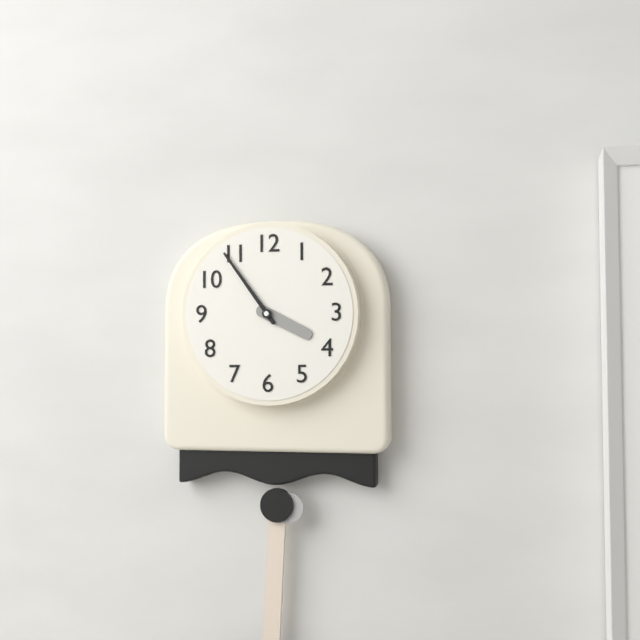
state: 3:54
